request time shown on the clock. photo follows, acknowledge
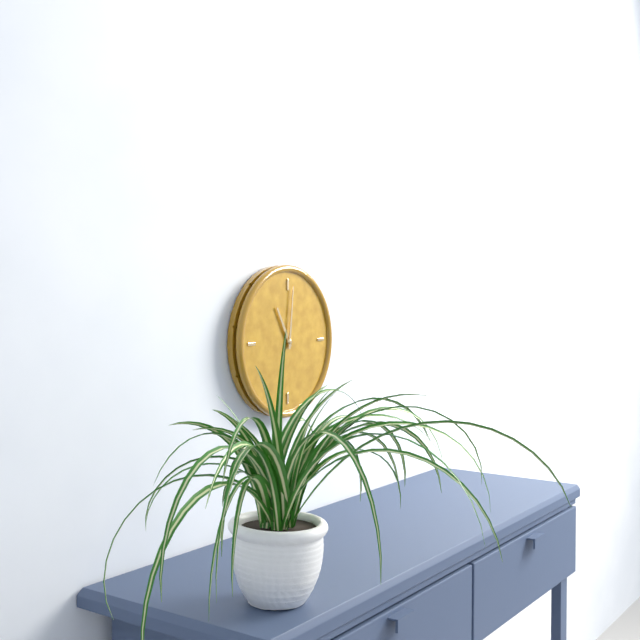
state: 11:01
